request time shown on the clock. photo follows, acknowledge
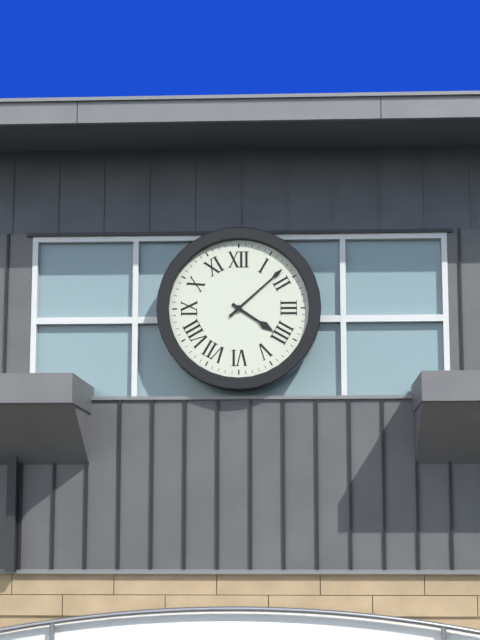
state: 4:08
